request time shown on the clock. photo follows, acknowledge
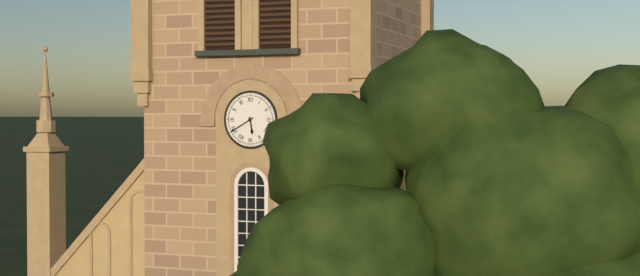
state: 5:40
